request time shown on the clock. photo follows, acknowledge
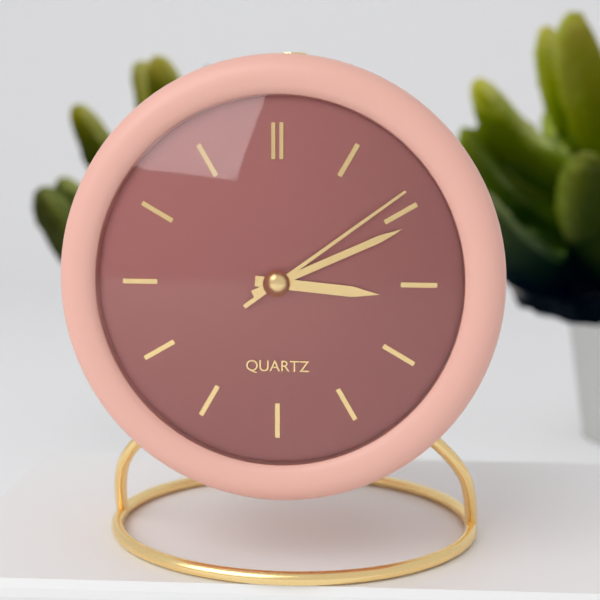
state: 3:11:09
